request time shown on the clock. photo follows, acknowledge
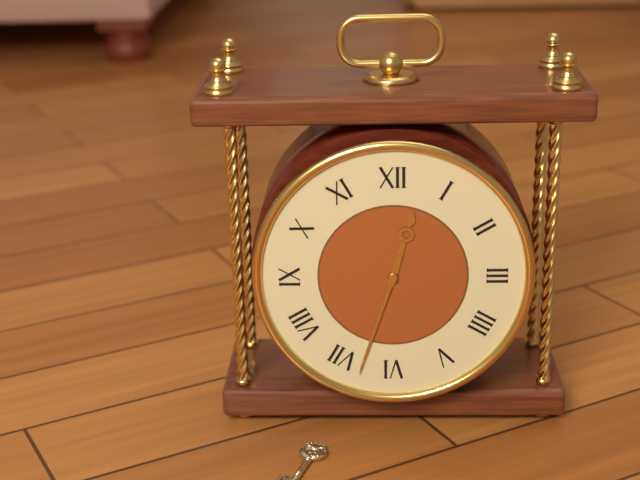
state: 12:33
